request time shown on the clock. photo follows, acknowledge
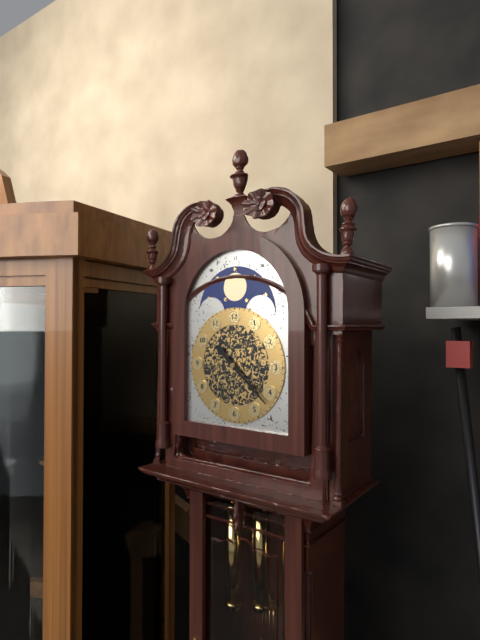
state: 10:22
